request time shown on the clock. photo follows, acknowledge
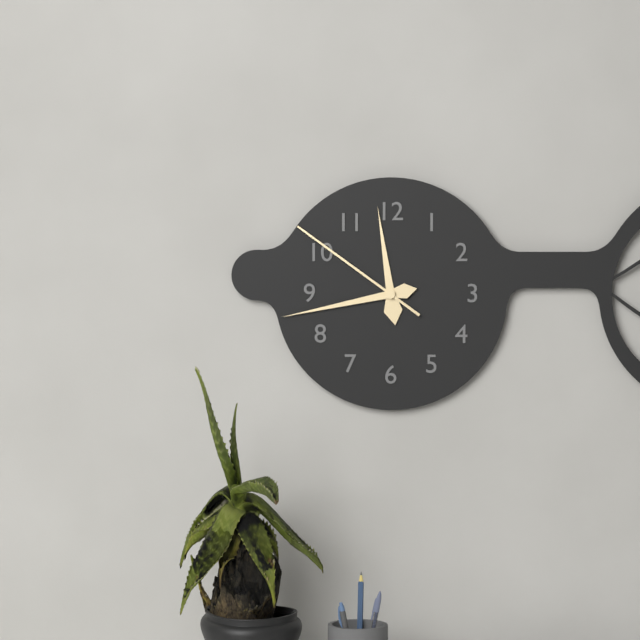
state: 11:43:51
